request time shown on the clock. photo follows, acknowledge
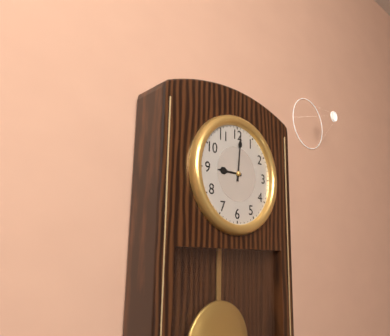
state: 9:01
